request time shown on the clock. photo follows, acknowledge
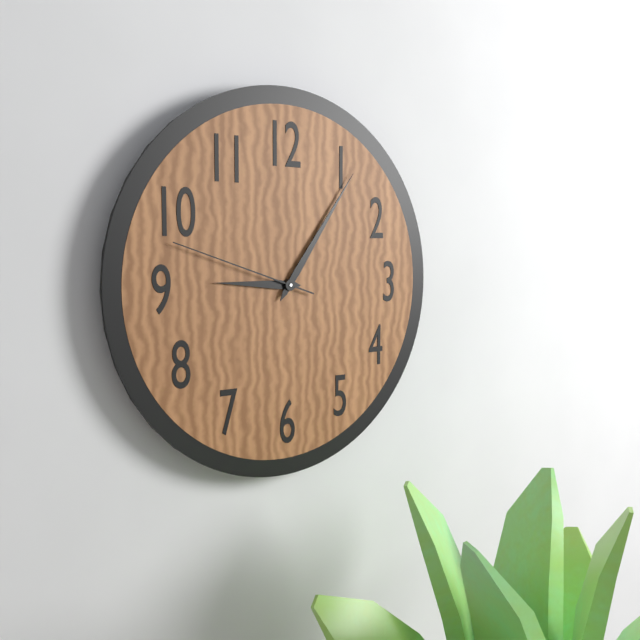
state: 9:06:48
